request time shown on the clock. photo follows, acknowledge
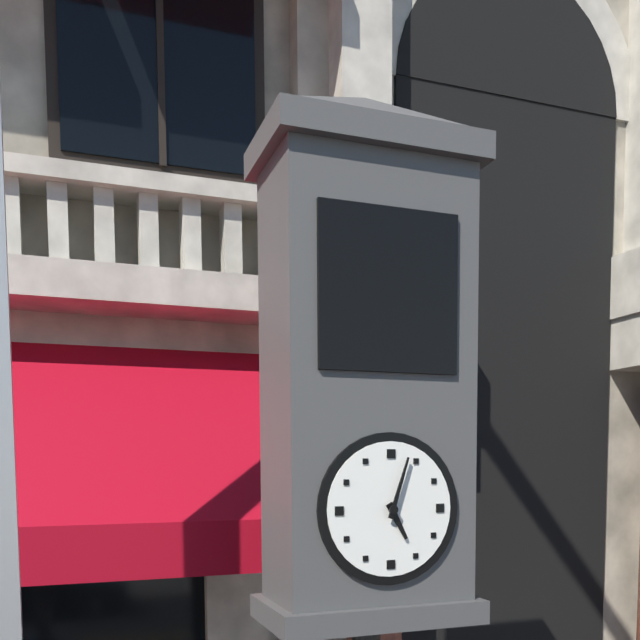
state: 5:03
